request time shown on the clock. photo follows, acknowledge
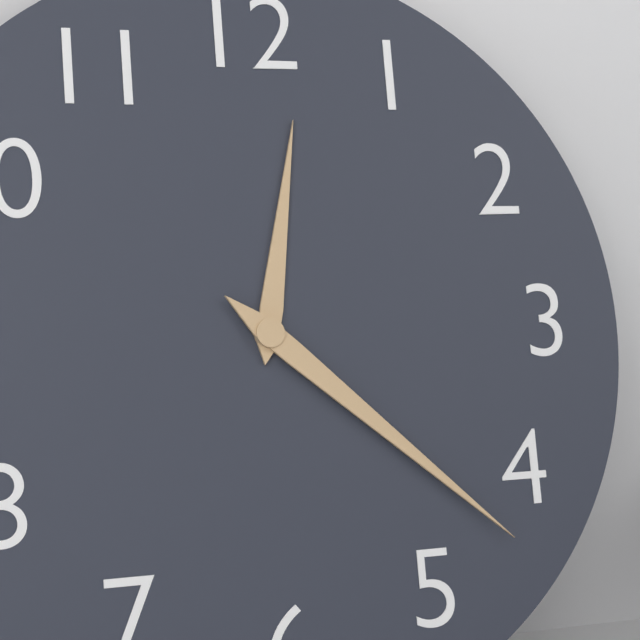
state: 12:22
